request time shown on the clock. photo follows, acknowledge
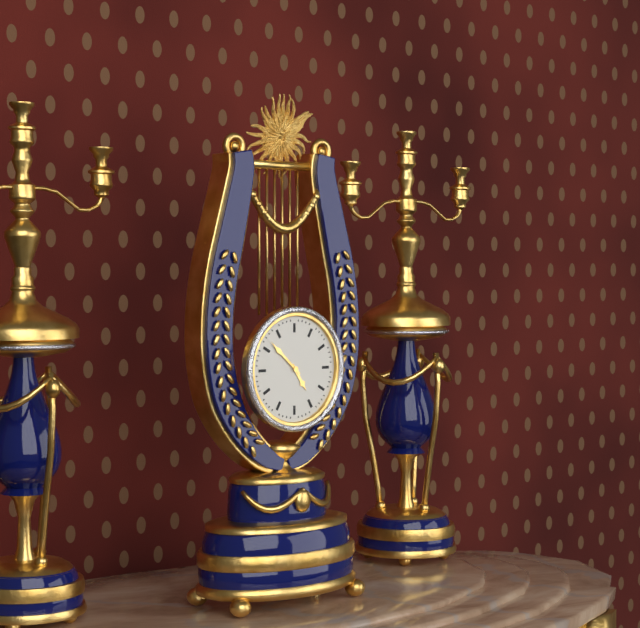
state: 4:52
